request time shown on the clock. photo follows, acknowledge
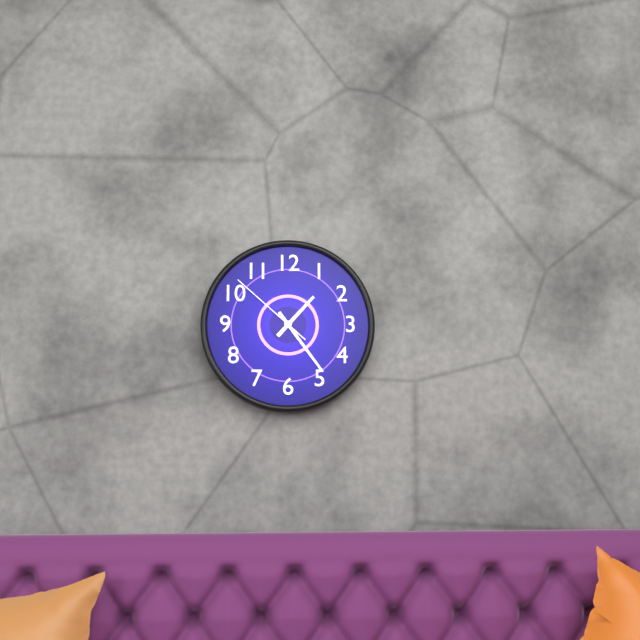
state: 1:24:52
